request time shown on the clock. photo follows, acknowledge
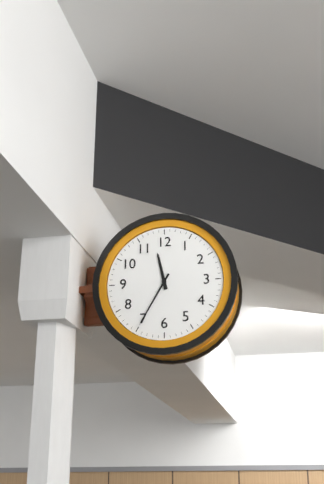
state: 11:35
